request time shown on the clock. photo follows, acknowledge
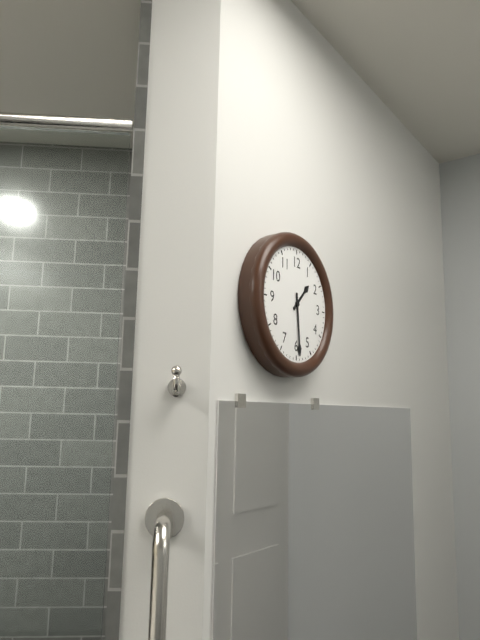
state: 1:29
